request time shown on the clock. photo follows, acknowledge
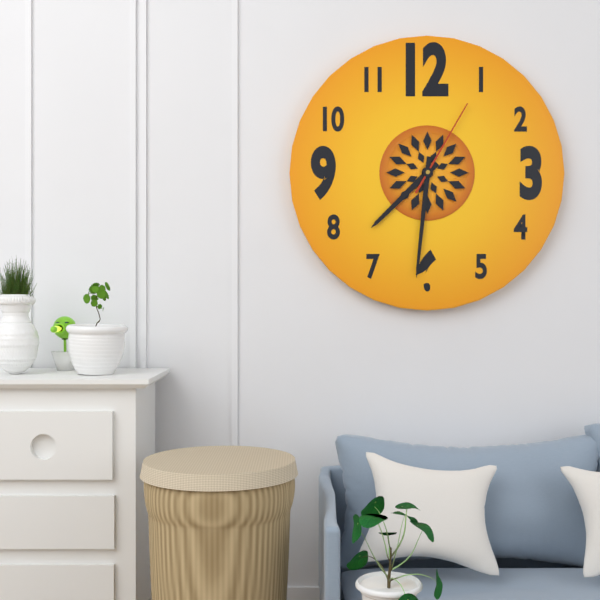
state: 7:31:05
